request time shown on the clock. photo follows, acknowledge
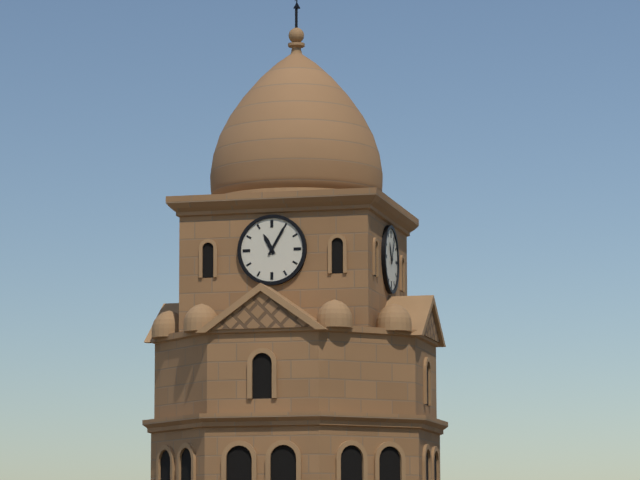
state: 11:05
